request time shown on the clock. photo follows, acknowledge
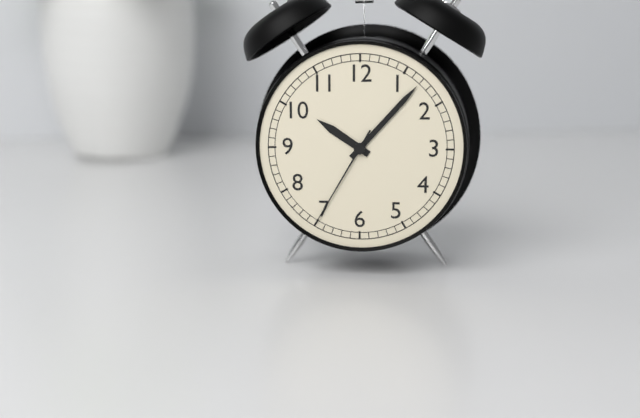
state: 10:07:35
